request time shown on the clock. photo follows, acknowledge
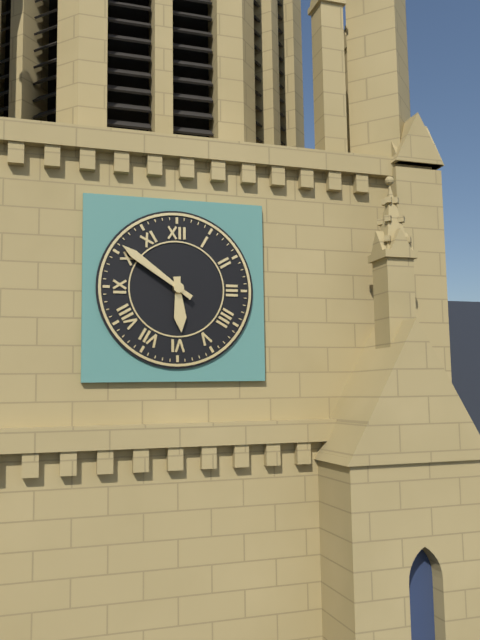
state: 5:51
